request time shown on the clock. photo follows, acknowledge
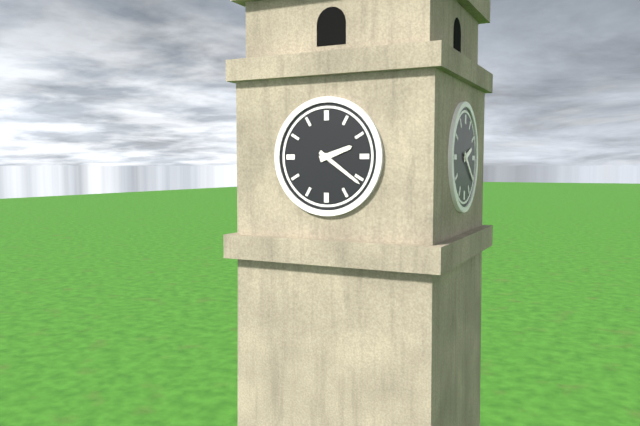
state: 2:21
